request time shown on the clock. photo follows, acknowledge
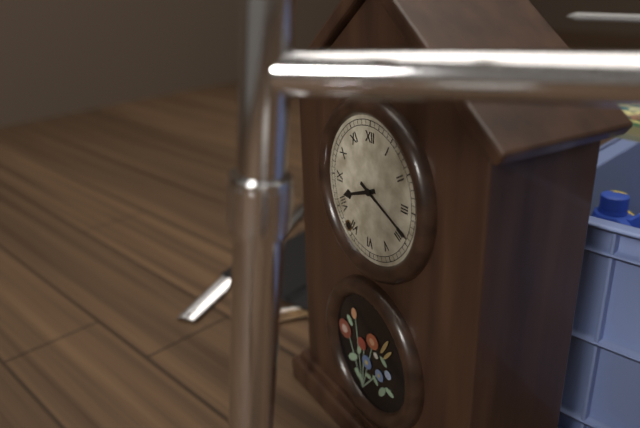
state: 8:19
